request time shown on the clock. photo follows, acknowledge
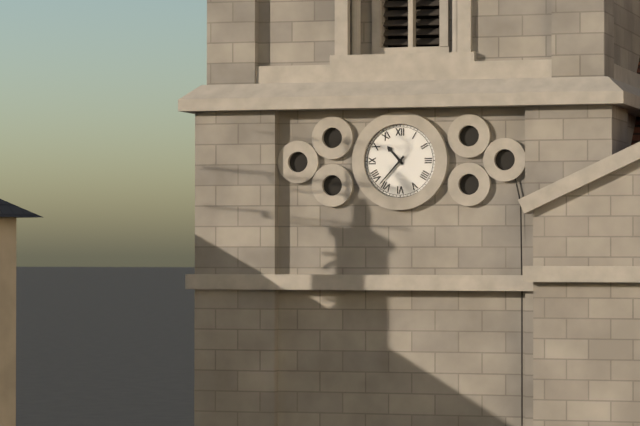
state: 10:37
